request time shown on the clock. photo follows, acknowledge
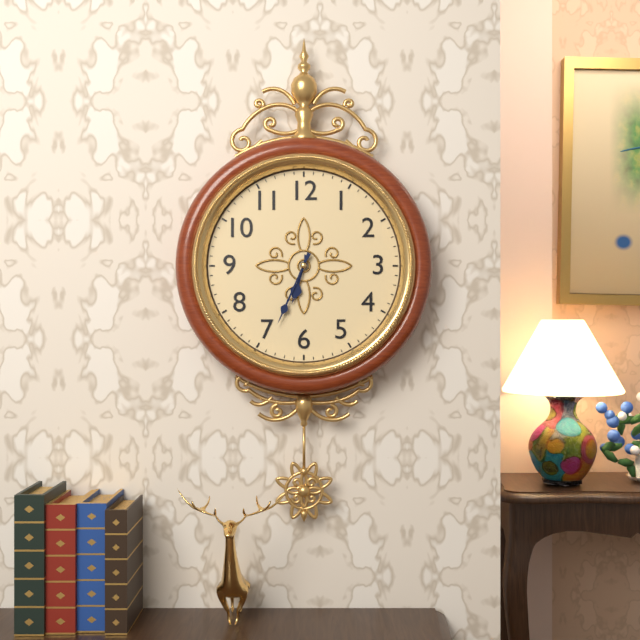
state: 6:34
